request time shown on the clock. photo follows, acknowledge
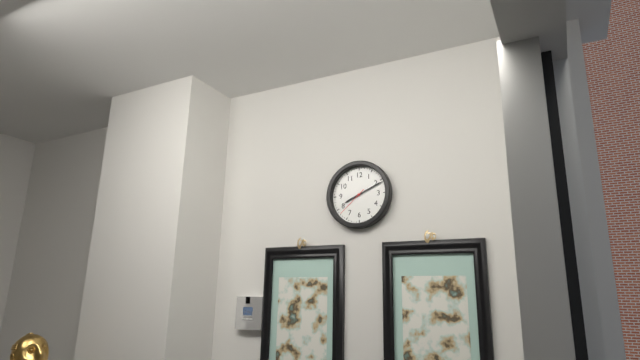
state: 8:11
